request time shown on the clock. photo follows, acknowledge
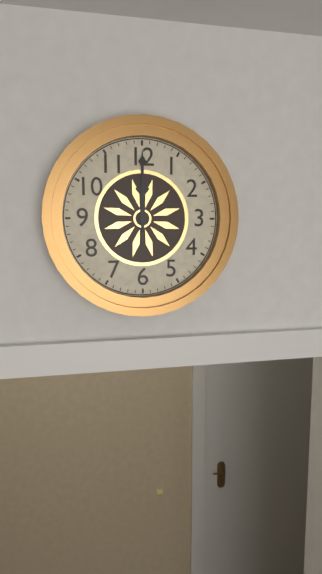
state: 12:00
